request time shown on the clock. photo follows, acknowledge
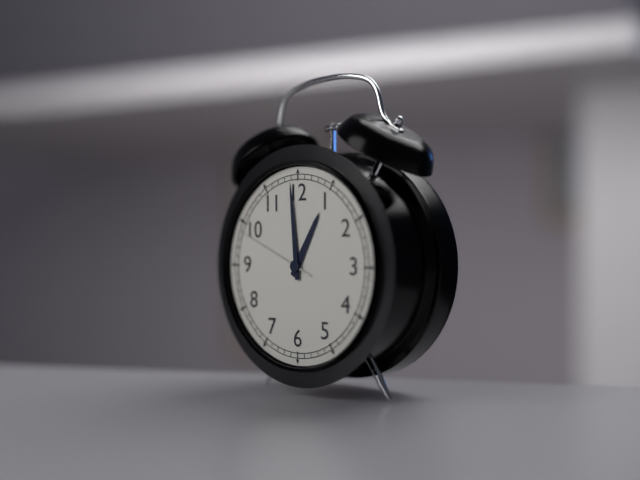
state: 12:59:49
